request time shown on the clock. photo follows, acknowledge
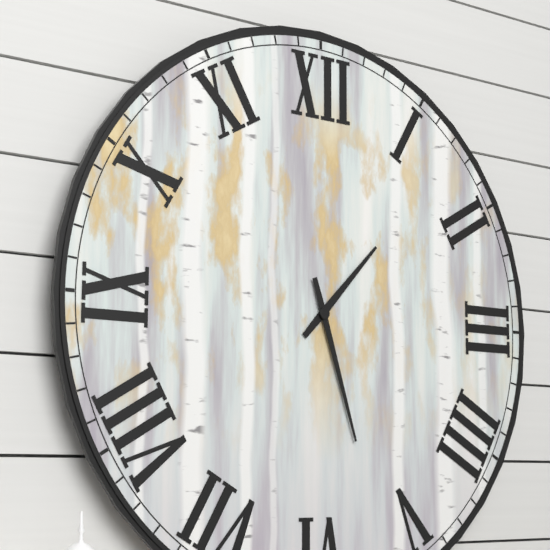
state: 1:27
